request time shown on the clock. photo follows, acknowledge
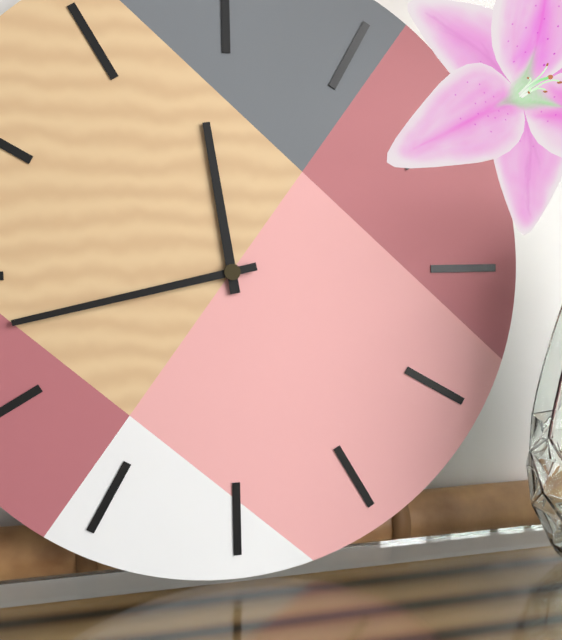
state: 11:43
